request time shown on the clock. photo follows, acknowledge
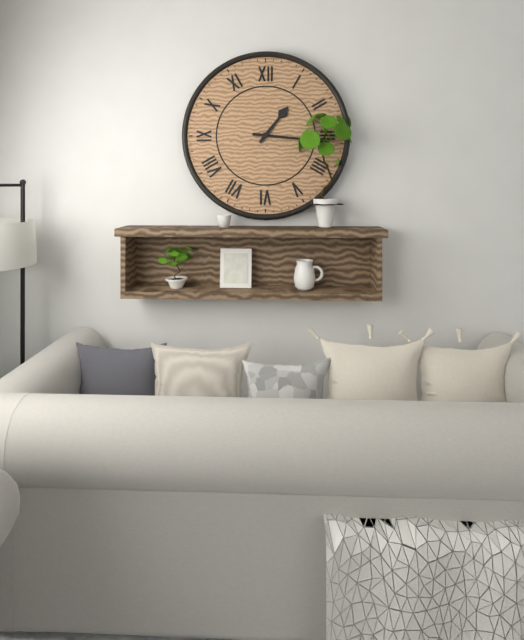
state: 1:16
